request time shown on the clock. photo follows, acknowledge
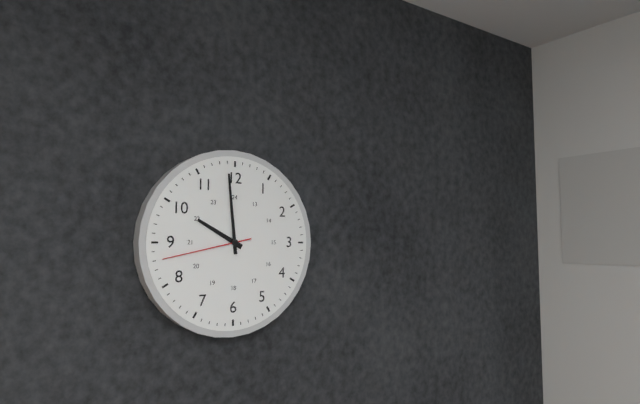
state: 9:59:43
